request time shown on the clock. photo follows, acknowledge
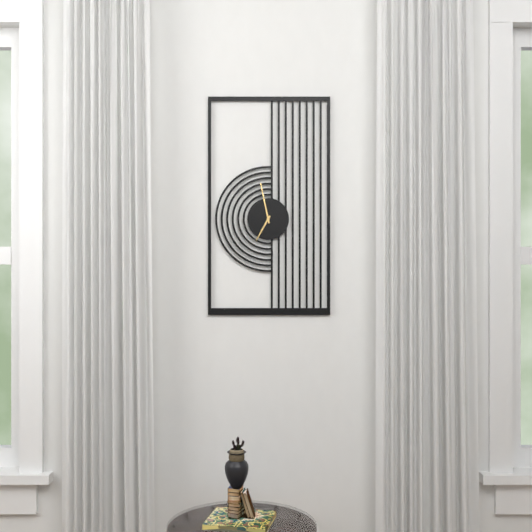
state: 6:58
